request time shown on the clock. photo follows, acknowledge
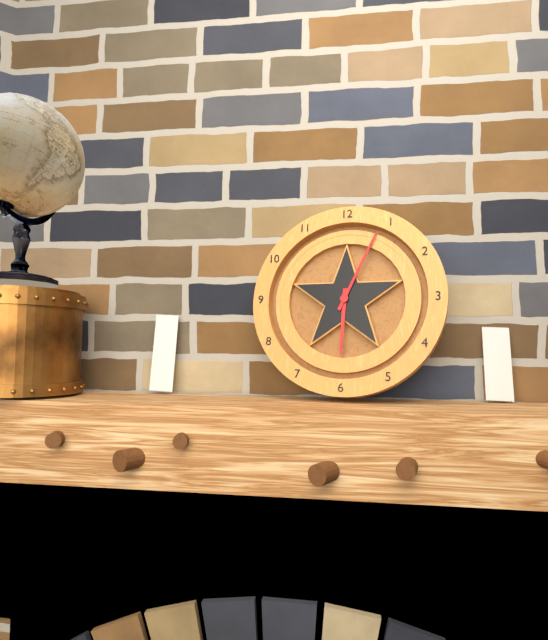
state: 6:04
